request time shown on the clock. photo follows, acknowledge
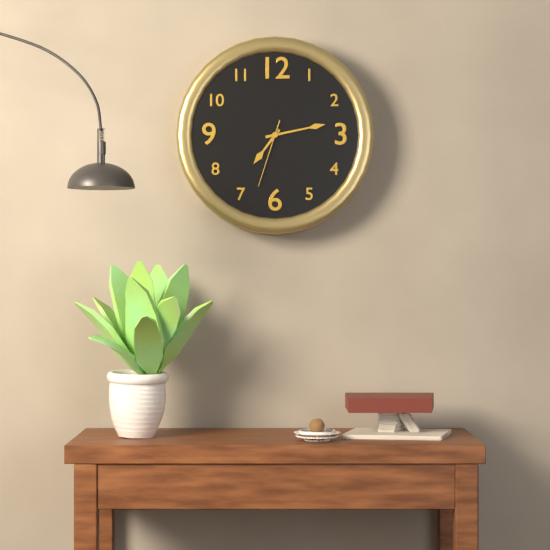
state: 7:13:33
